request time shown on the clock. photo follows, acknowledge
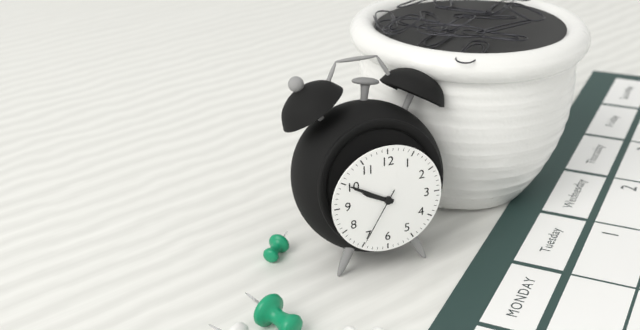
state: 9:50:35
